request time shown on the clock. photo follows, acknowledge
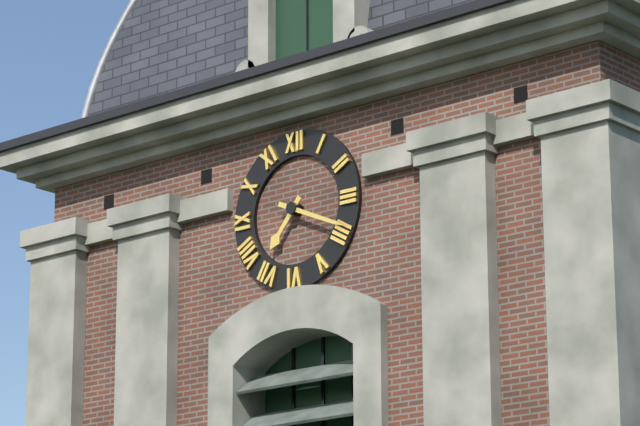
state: 7:19
